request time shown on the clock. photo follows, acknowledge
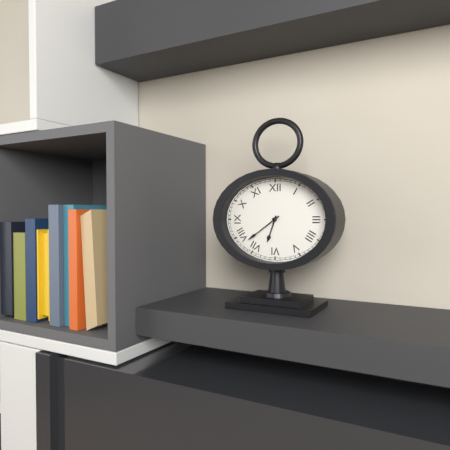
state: 6:39
